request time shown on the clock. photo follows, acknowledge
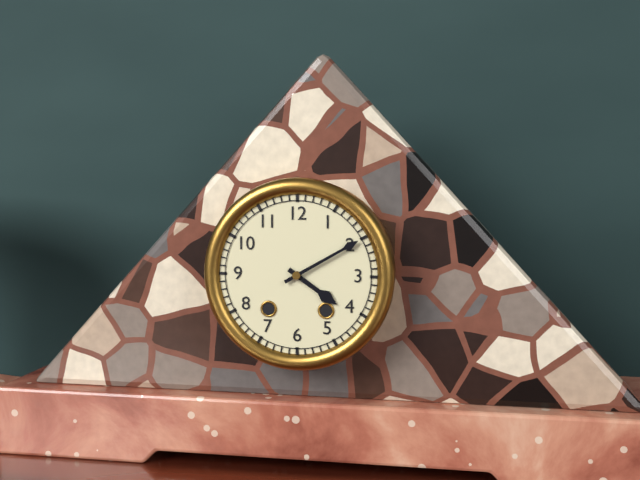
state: 4:10
